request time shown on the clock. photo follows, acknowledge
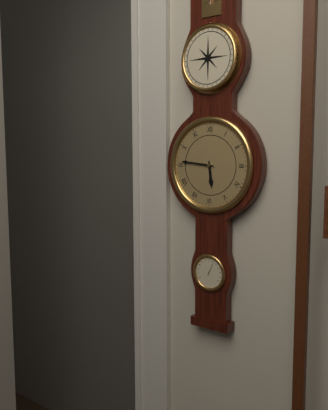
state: 5:46
